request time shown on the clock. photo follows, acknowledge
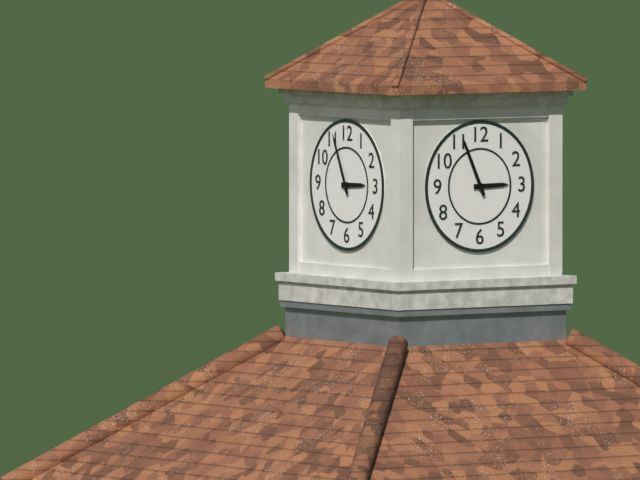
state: 2:56
